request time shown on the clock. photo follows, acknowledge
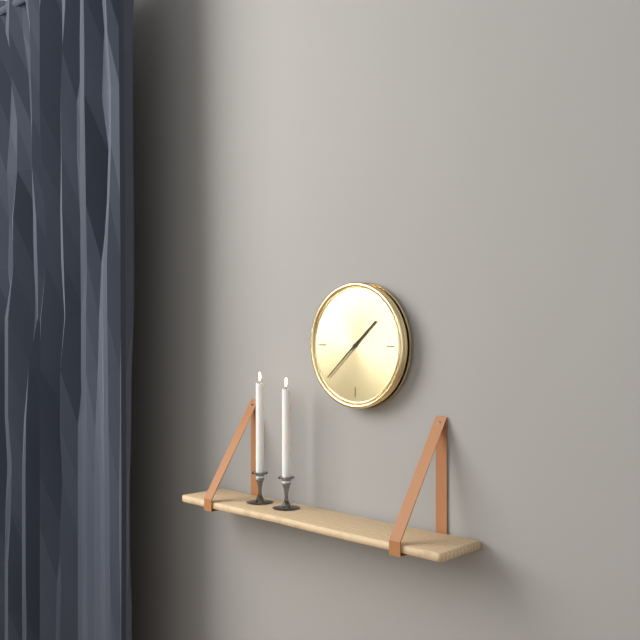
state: 1:38
